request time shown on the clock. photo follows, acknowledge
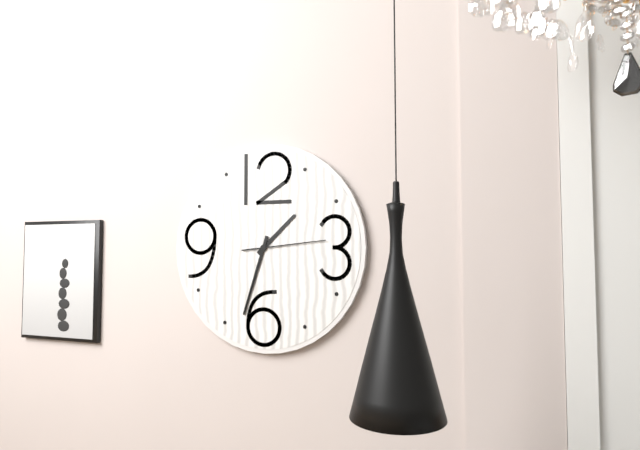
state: 1:33:14
